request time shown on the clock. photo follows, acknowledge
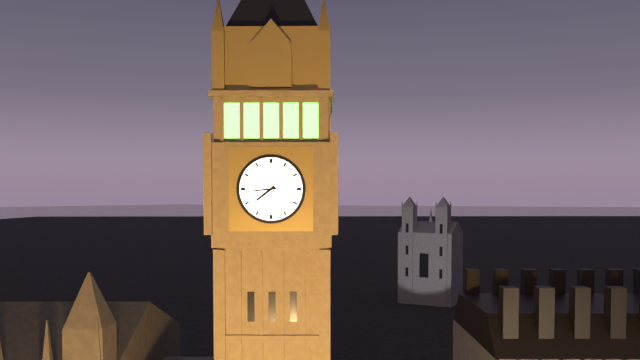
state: 7:44
